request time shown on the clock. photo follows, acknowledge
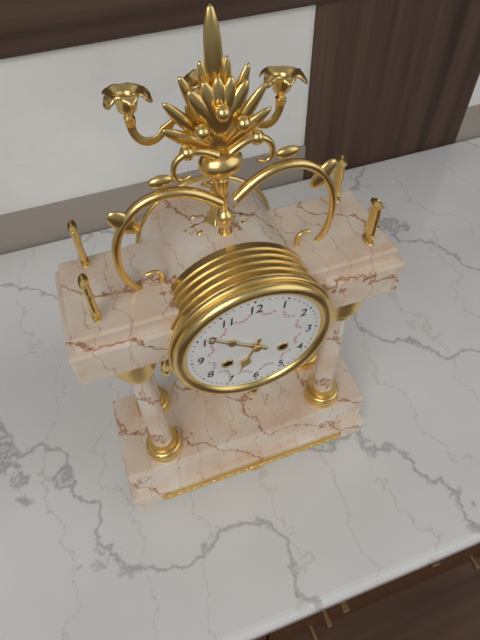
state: 6:51
